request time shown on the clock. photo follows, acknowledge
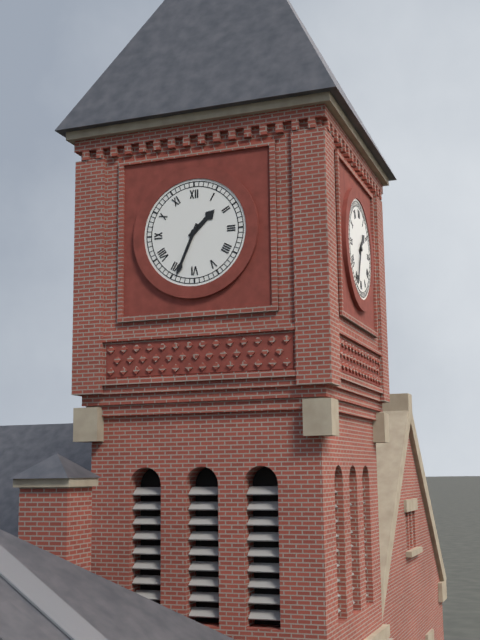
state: 1:34
